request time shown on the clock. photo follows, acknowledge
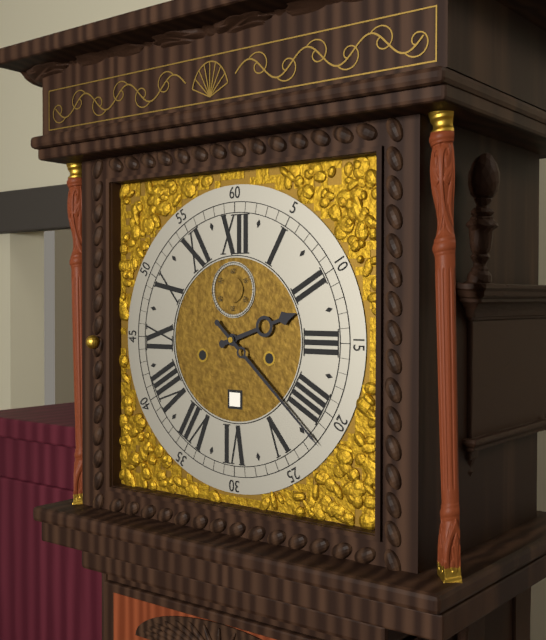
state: 2:22
